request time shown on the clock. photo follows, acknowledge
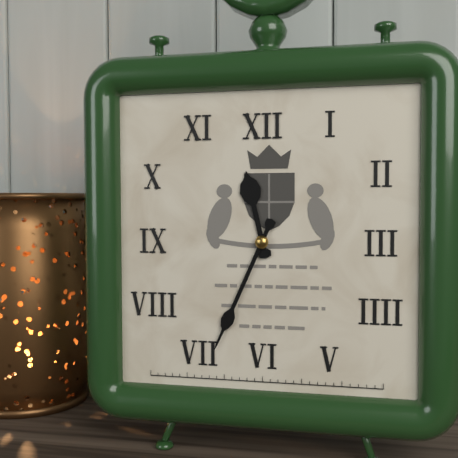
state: 11:34
